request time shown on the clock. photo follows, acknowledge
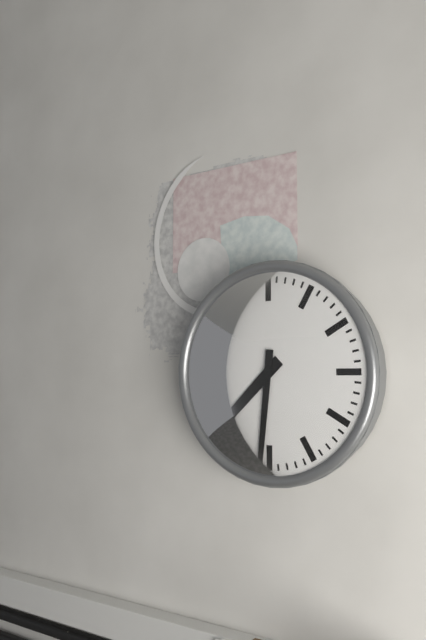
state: 7:31
